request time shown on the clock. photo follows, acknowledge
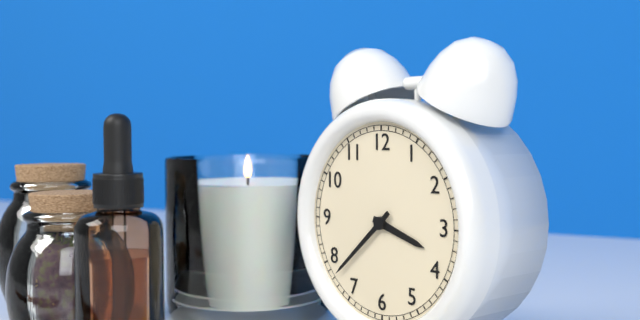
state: 3:38
